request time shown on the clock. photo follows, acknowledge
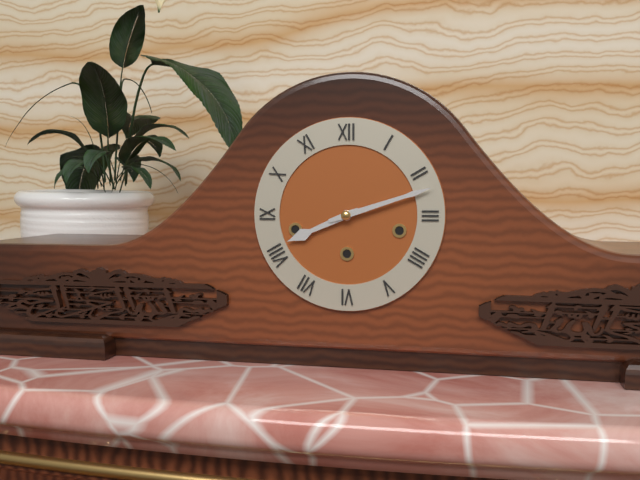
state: 8:12
